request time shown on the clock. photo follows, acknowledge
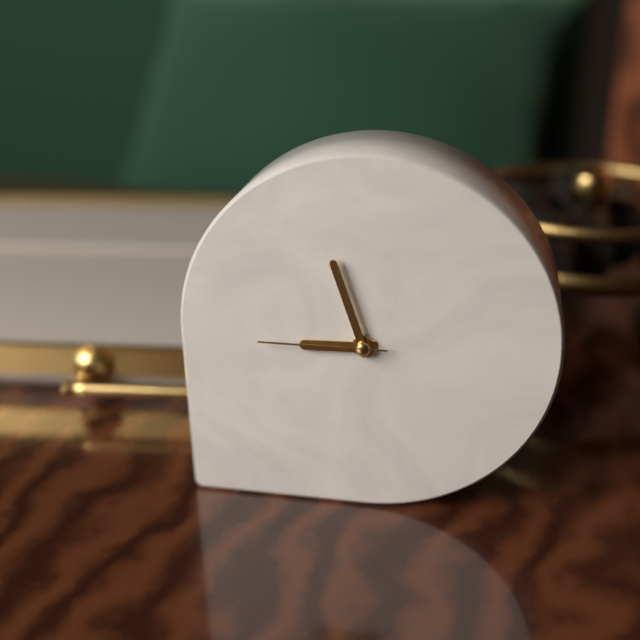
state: 8:57:45
